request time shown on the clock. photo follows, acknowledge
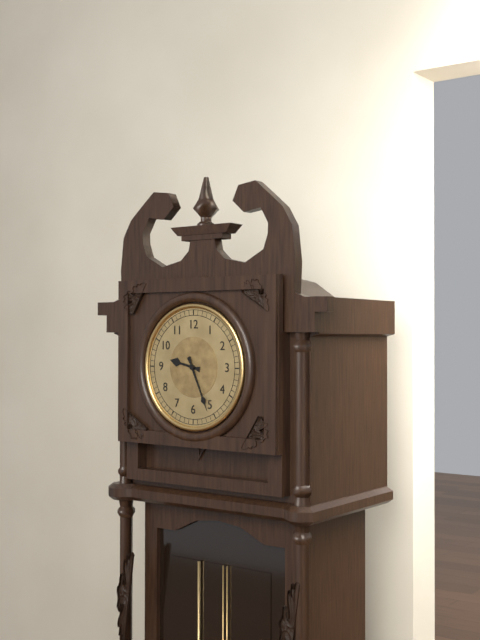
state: 9:26
